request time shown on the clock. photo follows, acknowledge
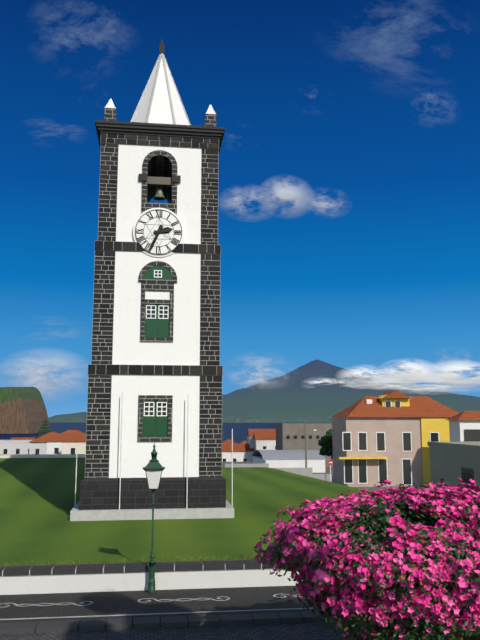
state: 2:34
